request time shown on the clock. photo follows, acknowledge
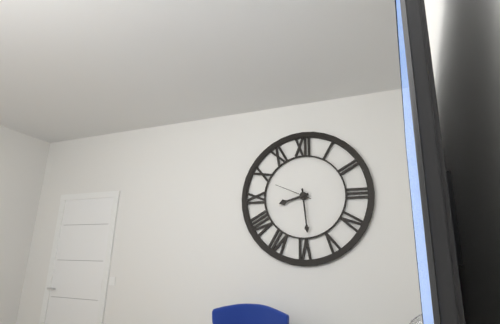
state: 8:29
